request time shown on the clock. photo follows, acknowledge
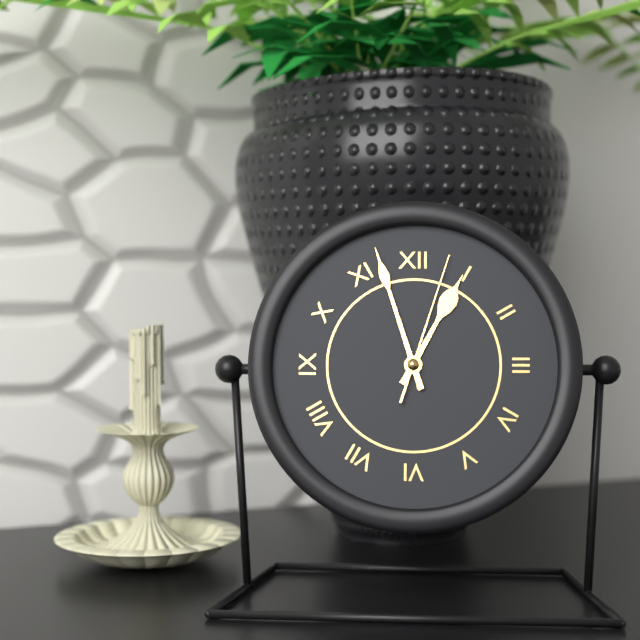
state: 12:57:03
